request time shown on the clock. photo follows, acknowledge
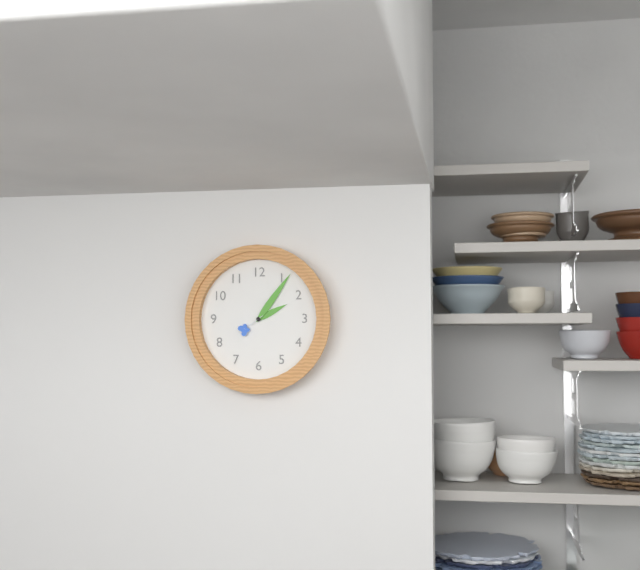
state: 2:06
